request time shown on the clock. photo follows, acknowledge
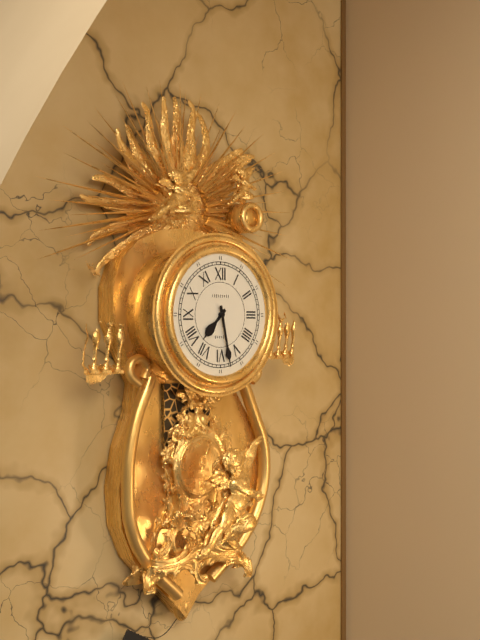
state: 7:28
